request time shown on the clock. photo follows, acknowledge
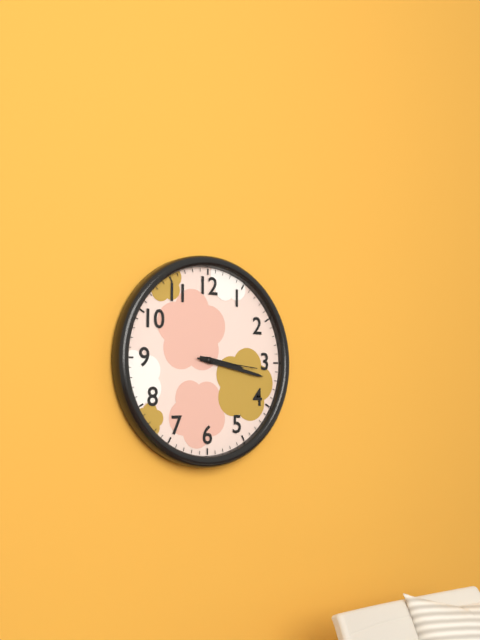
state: 3:17:16
